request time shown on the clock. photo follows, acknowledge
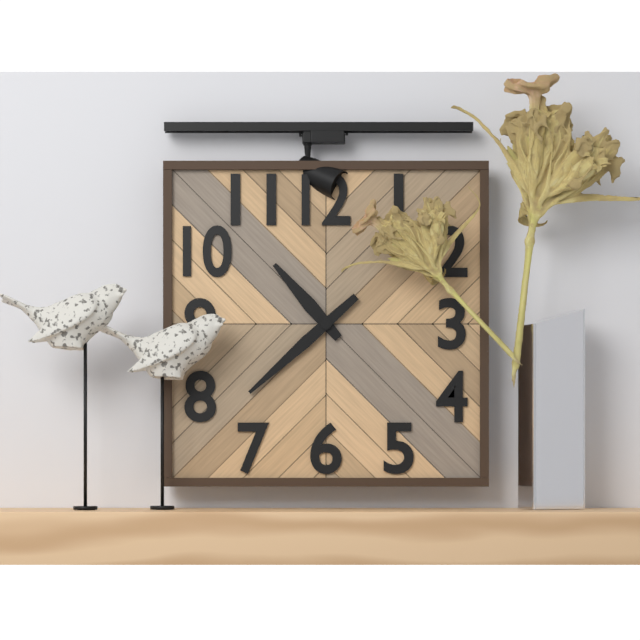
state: 10:38
